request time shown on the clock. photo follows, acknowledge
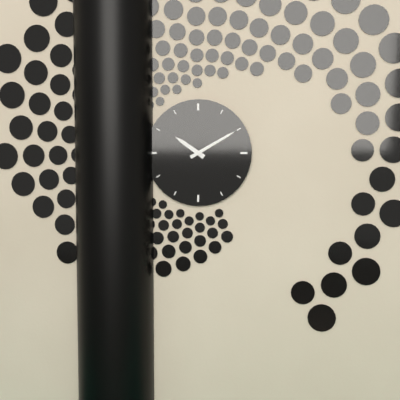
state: 10:10
